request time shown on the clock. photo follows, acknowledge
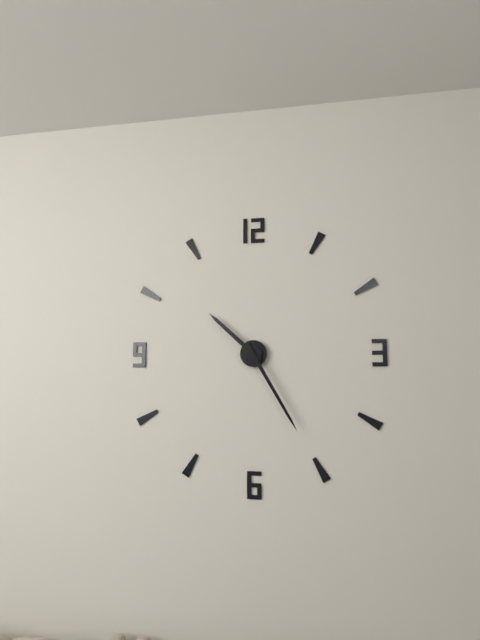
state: 10:25
